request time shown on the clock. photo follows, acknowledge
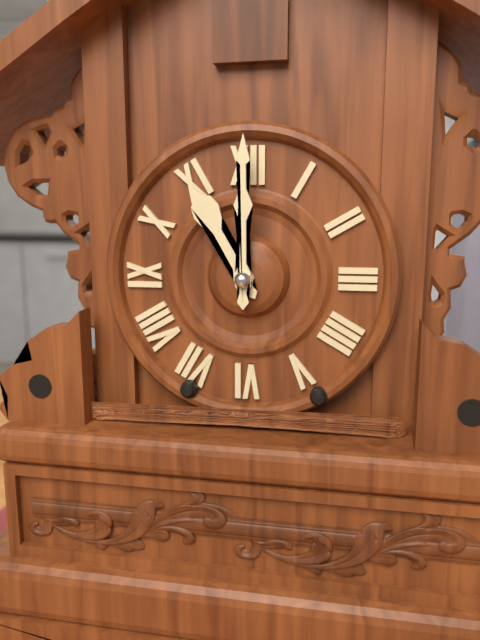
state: 11:00
